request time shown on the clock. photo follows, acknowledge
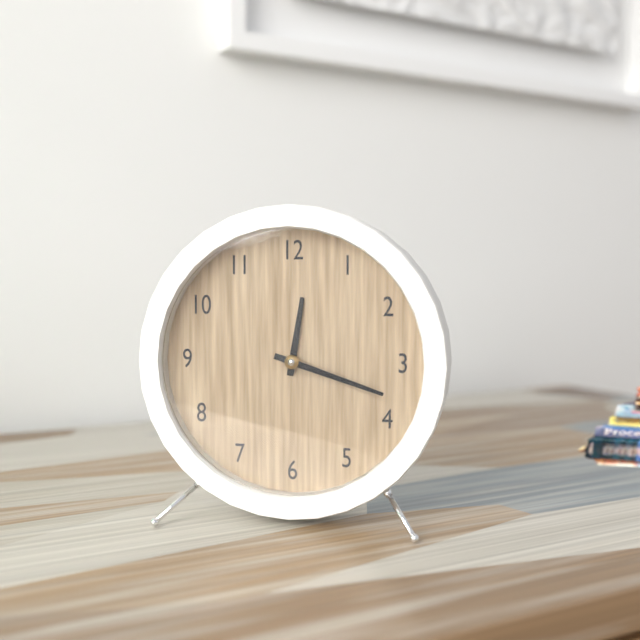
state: 12:18
